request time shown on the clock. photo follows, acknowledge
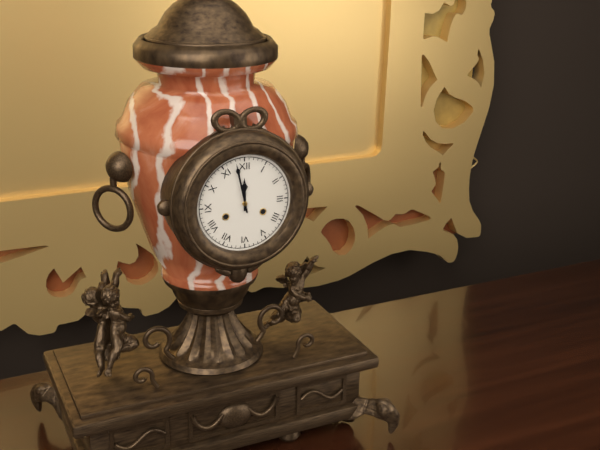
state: 11:58
